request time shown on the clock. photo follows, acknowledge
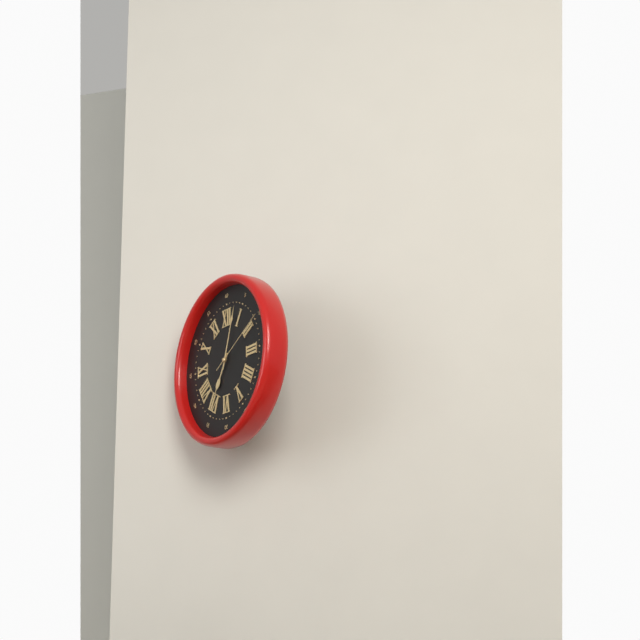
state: 7:03:10
